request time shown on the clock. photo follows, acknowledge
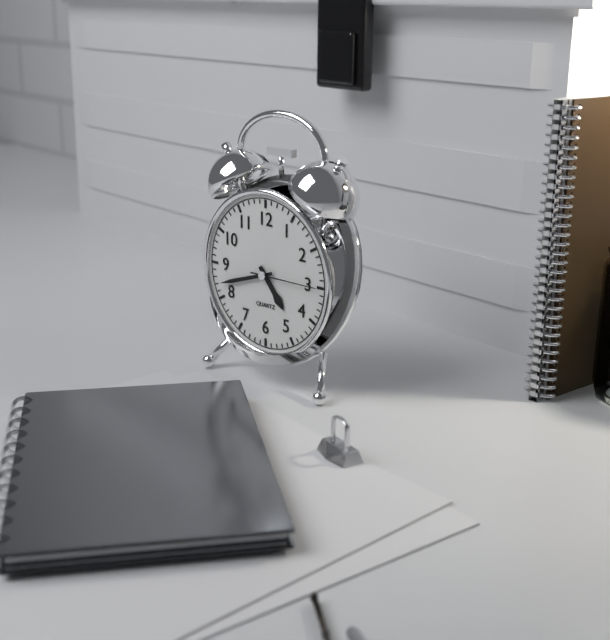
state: 4:42:15
